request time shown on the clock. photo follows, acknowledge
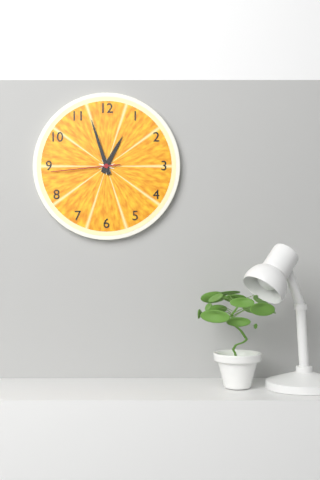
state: 12:57:44
